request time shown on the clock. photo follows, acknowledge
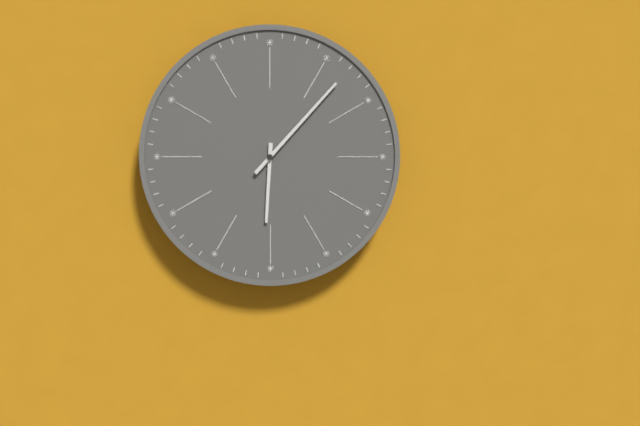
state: 6:07
